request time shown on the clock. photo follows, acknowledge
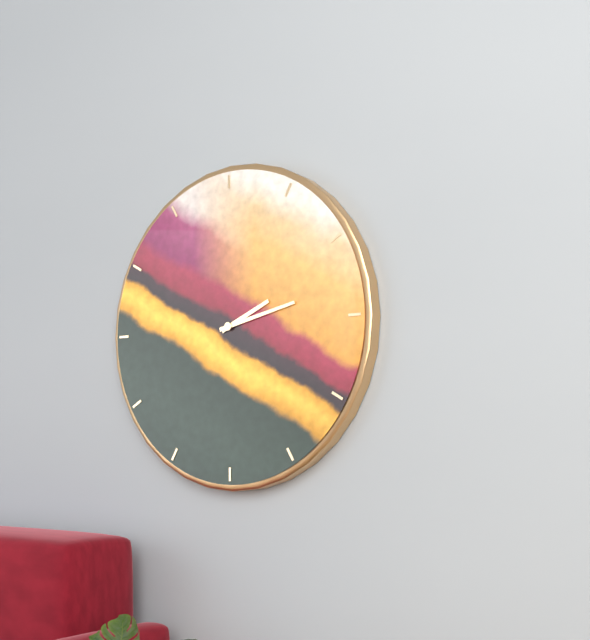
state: 2:13
